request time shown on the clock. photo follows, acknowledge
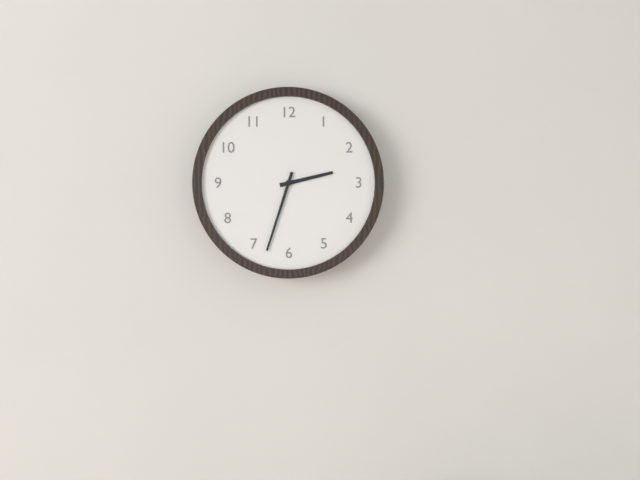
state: 2:33
